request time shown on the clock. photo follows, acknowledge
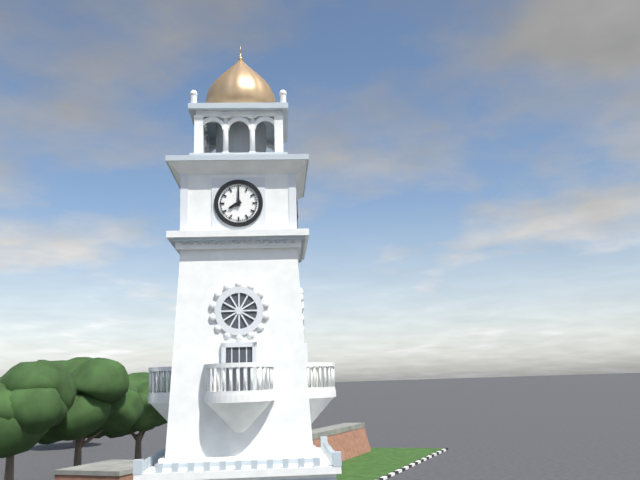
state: 8:00
